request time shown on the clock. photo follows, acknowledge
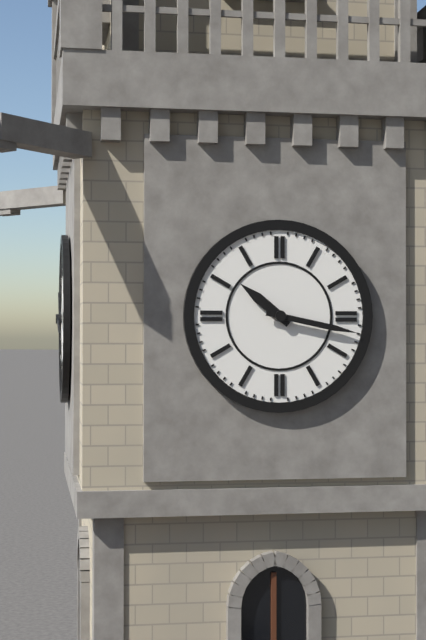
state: 10:17
